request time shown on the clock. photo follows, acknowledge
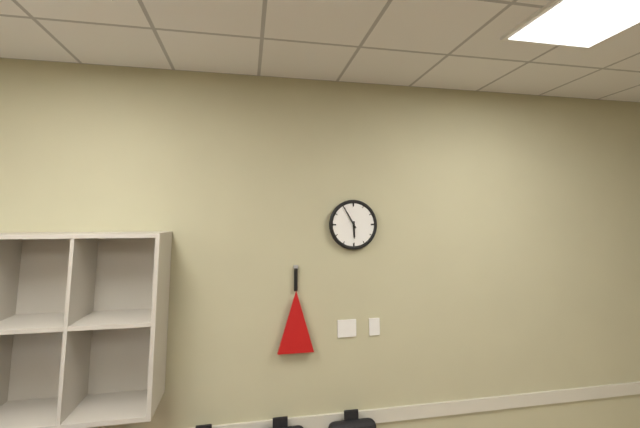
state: 5:55
